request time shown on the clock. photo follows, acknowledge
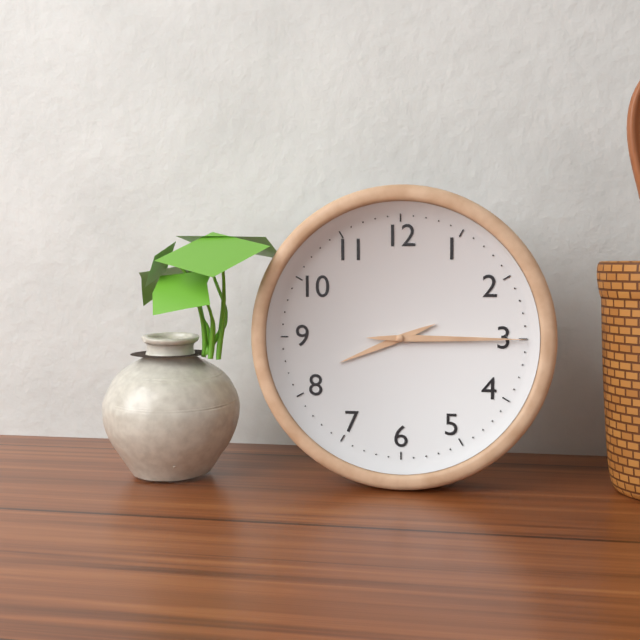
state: 8:15
